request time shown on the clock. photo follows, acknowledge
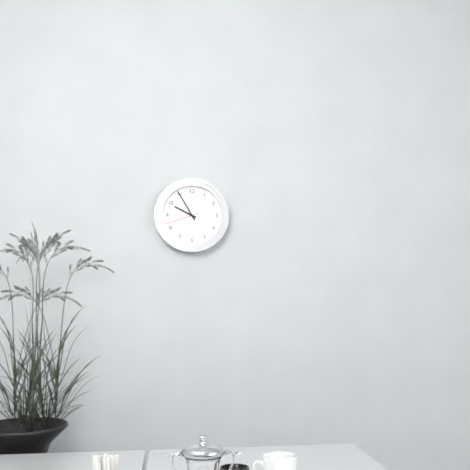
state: 9:55
